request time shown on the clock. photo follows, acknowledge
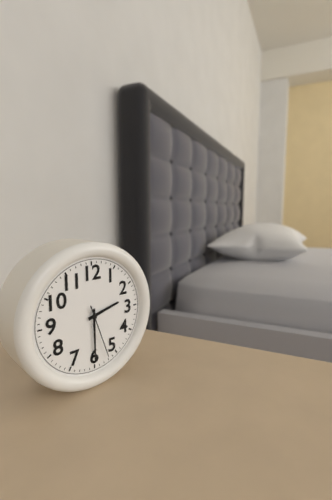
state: 2:30:27
